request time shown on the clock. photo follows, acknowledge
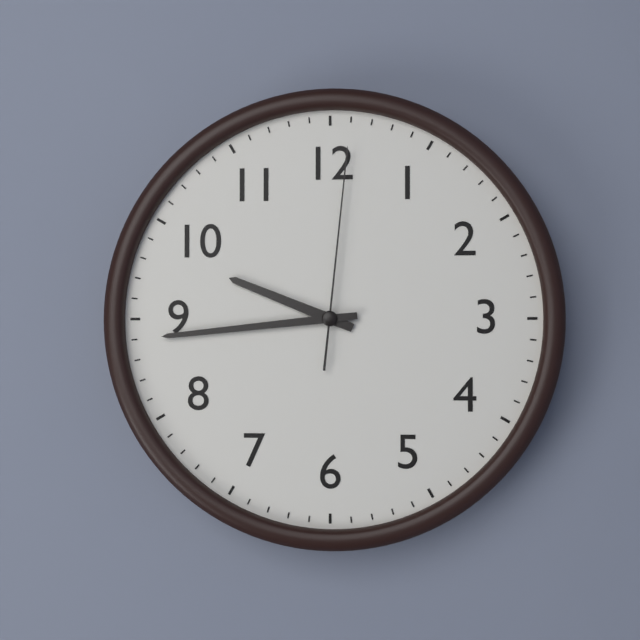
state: 9:44:01
